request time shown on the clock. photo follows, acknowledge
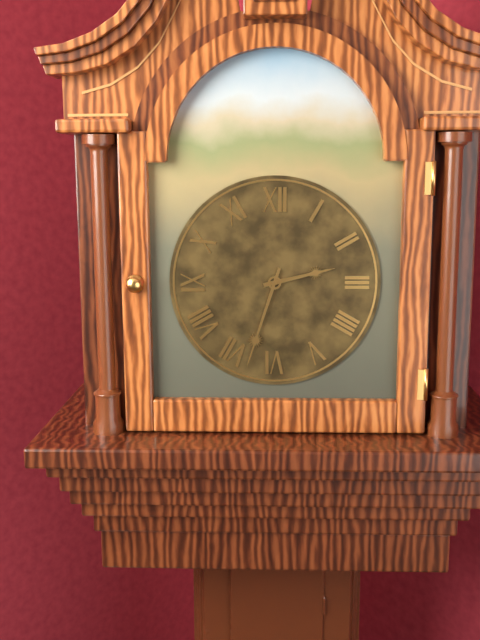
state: 2:33
